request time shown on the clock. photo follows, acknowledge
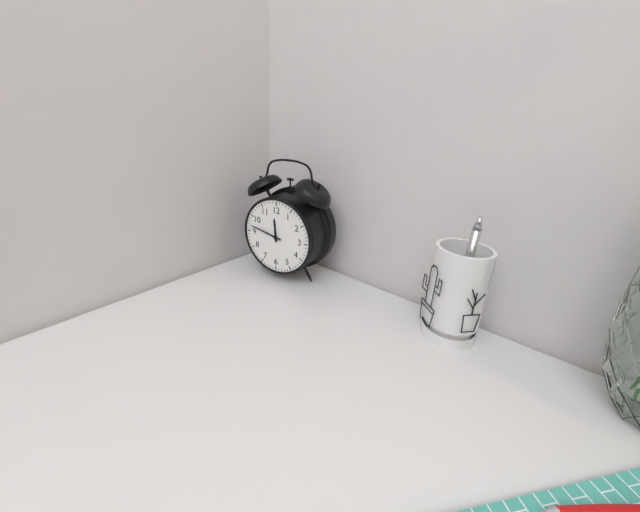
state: 11:47
